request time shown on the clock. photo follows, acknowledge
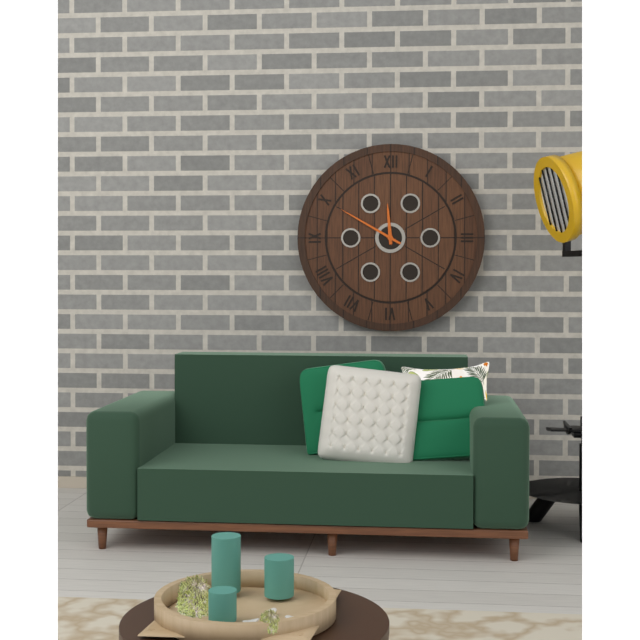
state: 11:50
